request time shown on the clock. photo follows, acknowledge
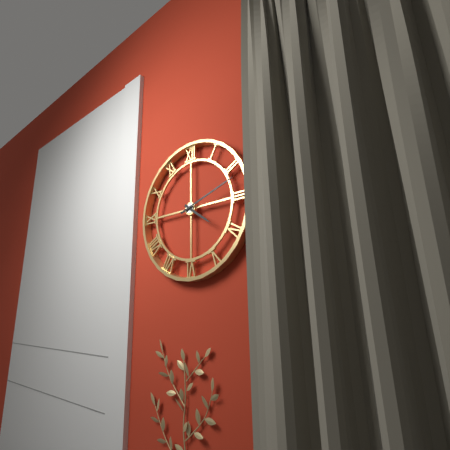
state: 4:12
